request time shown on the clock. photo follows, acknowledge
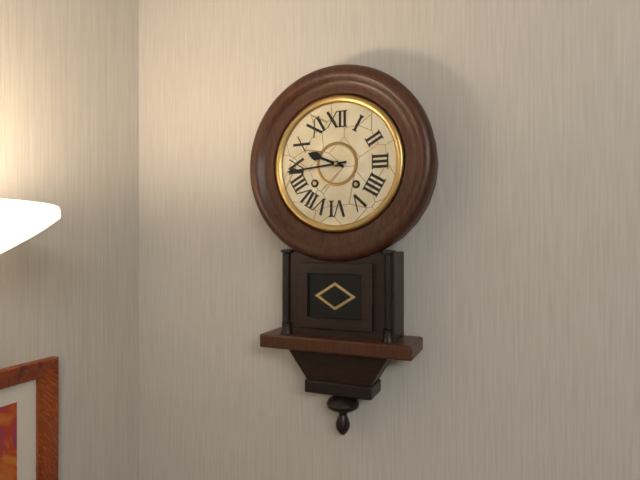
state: 9:44
